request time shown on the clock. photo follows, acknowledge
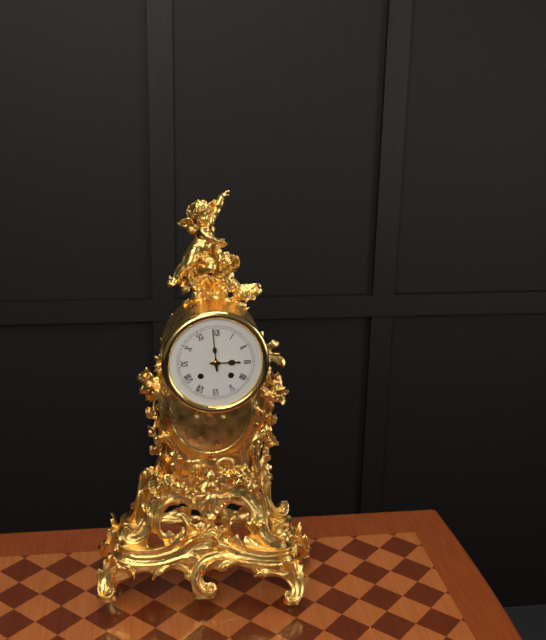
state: 2:59
